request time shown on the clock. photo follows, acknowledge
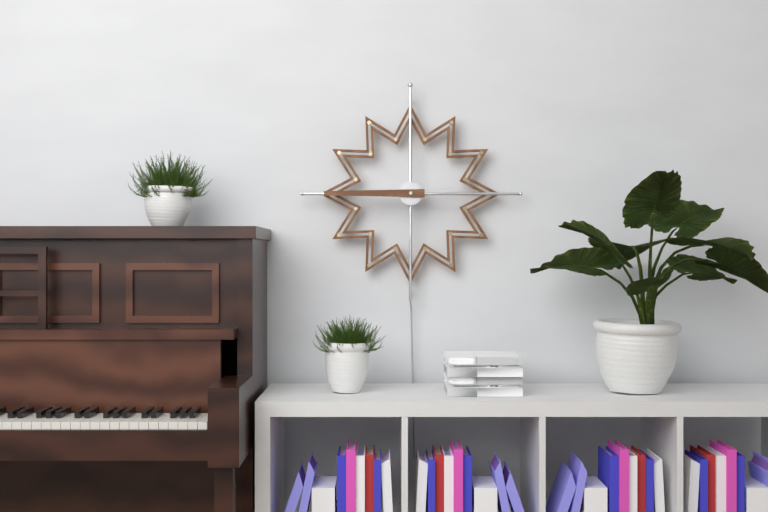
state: 2:45
